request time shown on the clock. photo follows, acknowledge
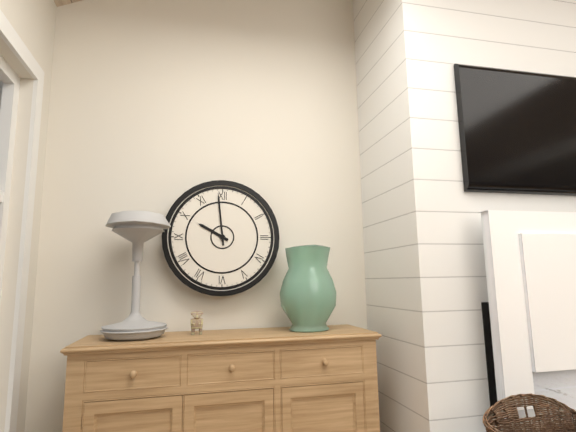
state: 9:59
